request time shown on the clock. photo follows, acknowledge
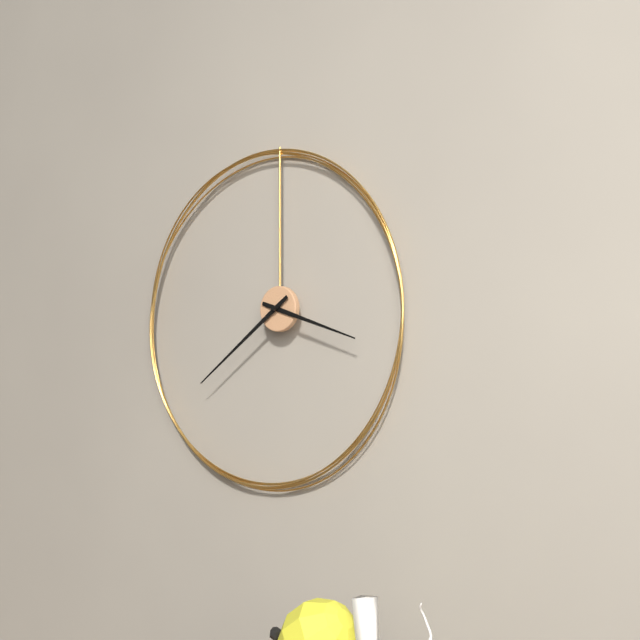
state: 3:39
